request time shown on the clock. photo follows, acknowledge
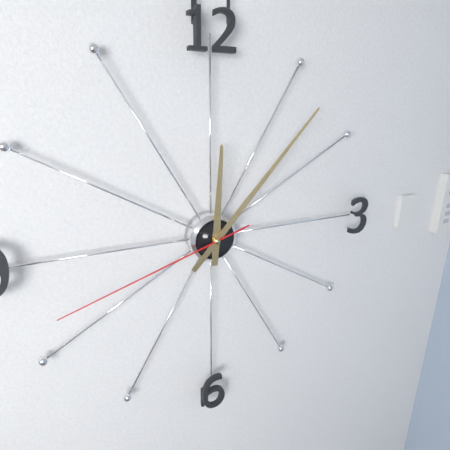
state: 12:07:42
